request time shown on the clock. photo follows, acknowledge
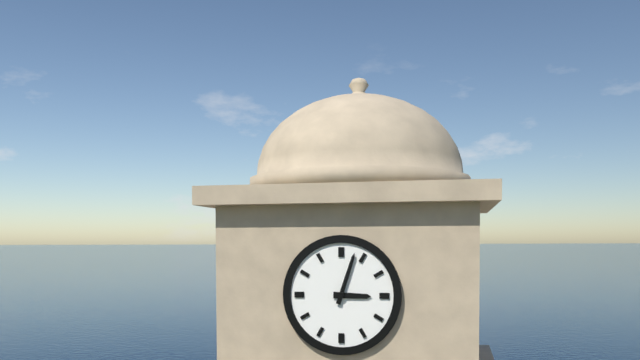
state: 3:03
